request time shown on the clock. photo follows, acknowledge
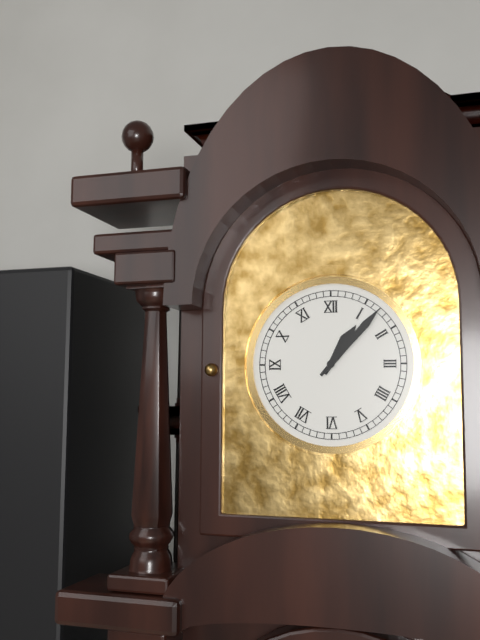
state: 1:07
